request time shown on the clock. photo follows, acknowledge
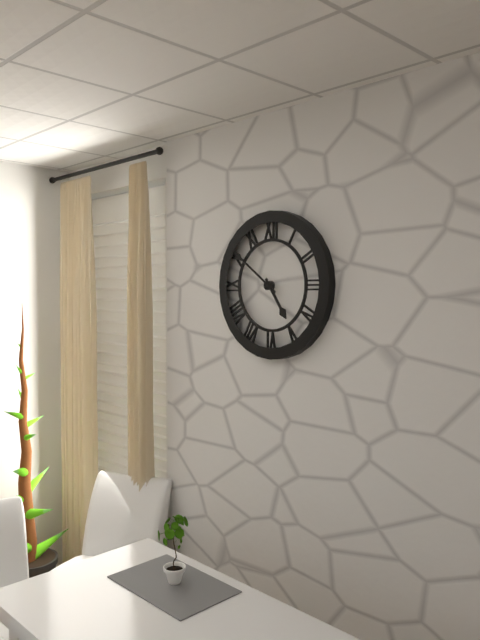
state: 4:51
